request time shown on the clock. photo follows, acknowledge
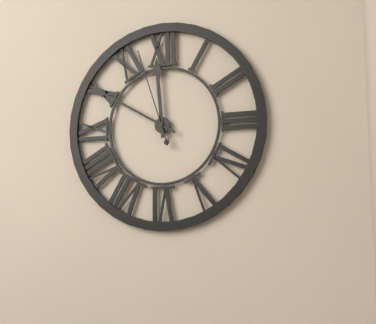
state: 11:50:57
